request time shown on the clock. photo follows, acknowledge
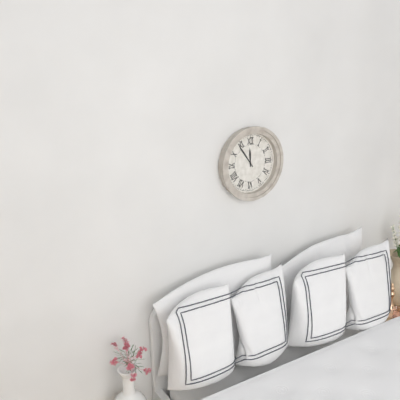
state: 11:54
